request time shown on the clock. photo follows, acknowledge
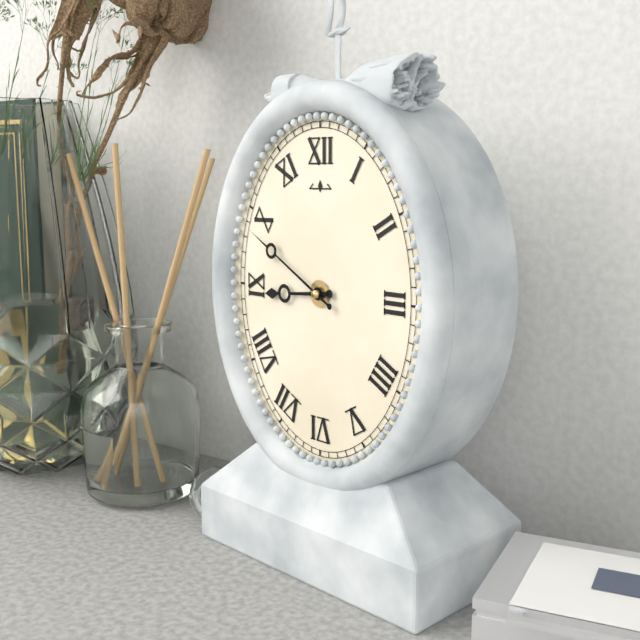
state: 8:50
